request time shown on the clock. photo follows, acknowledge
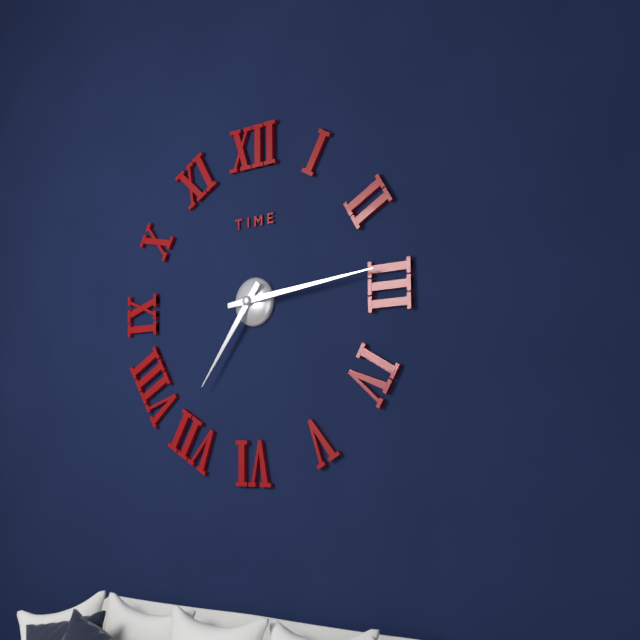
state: 7:14
